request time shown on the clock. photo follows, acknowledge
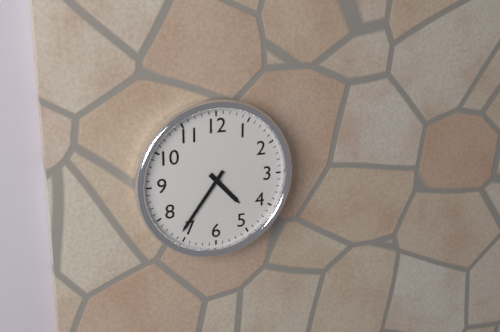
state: 4:36
